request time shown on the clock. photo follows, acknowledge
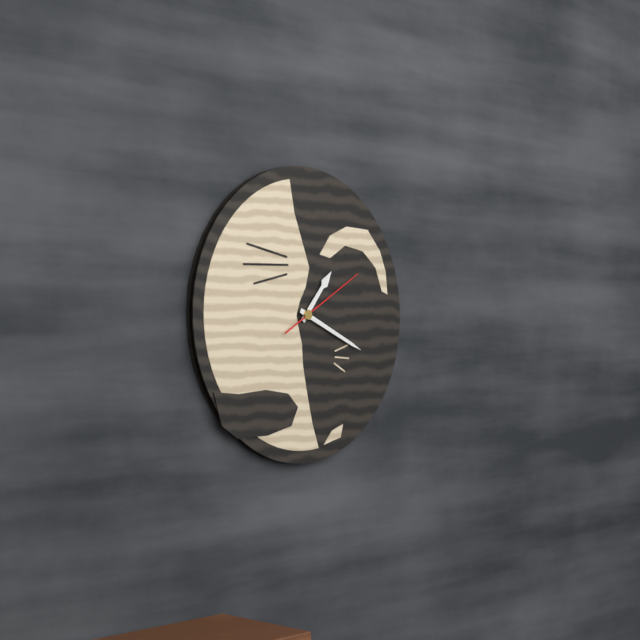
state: 1:19:10
